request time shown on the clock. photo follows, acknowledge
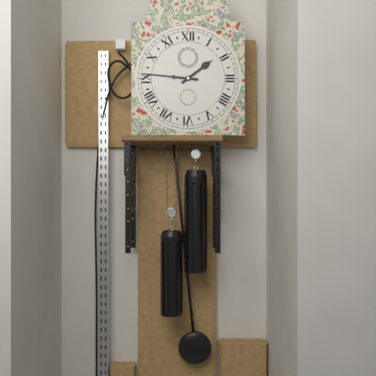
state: 1:46
